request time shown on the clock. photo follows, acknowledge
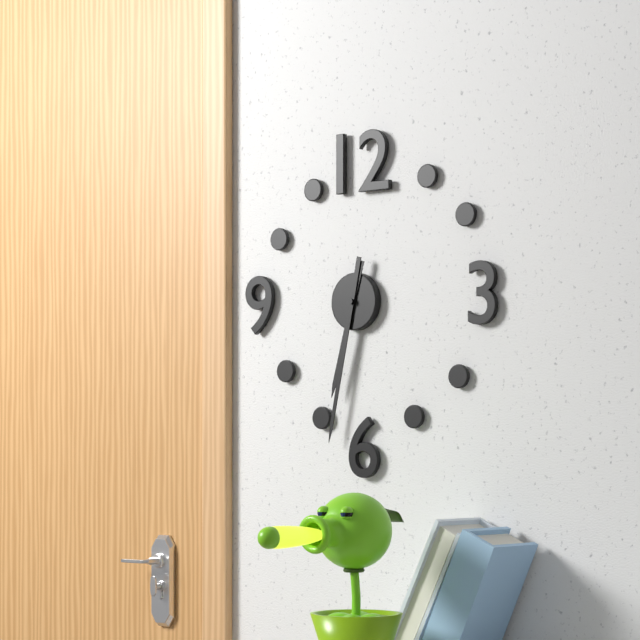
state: 6:32
